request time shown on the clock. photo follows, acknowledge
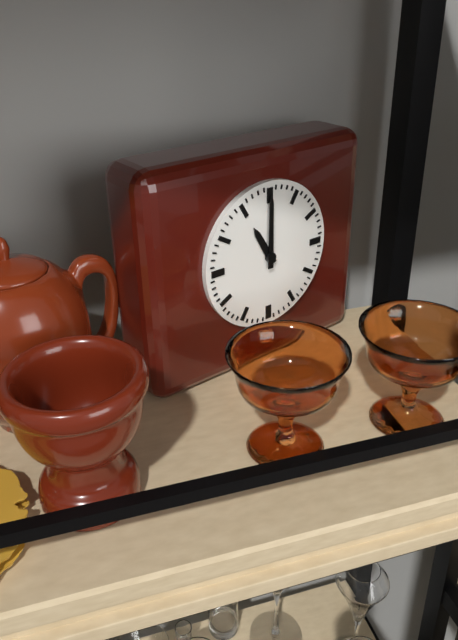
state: 11:00
